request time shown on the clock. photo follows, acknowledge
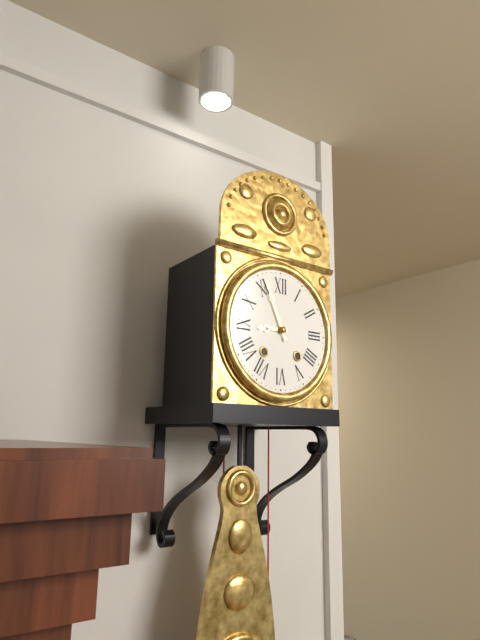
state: 8:56
